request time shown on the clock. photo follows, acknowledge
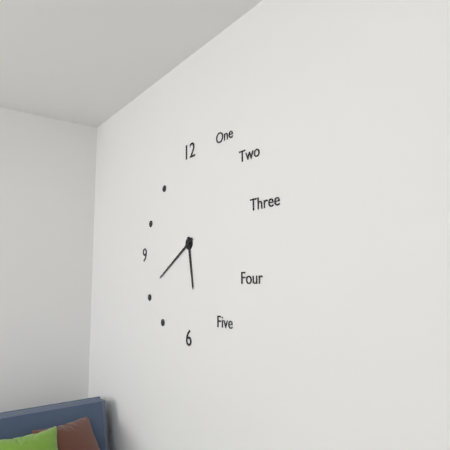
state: 5:40
